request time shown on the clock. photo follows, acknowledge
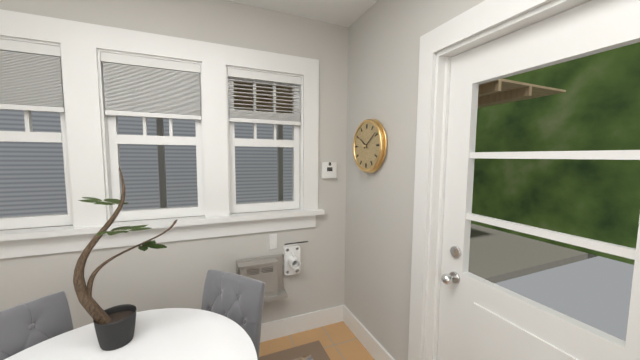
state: 10:09
